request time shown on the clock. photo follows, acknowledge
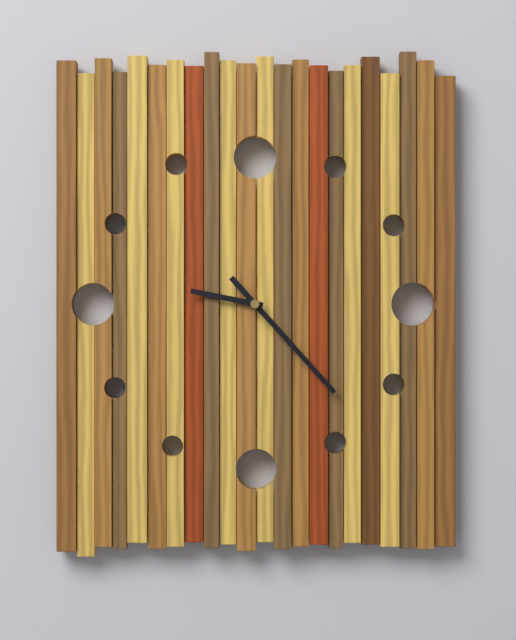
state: 9:23
